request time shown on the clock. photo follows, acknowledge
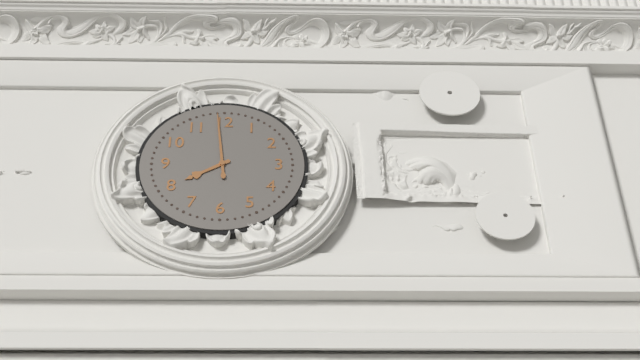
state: 7:59
